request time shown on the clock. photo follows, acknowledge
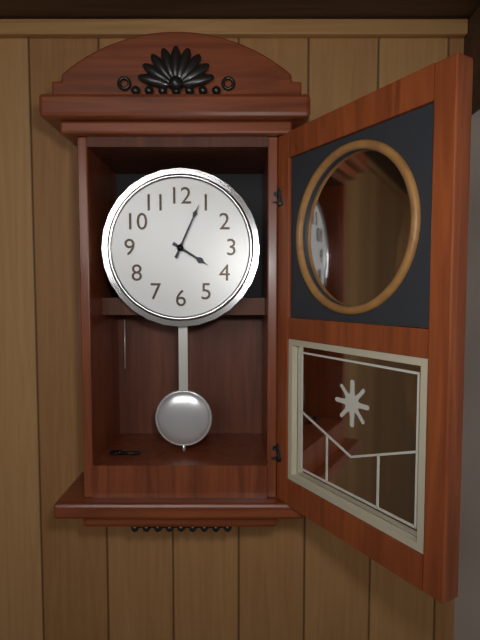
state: 4:04
